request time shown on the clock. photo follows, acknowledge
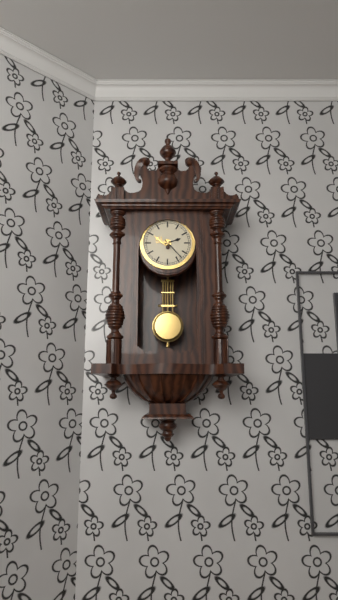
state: 2:23
